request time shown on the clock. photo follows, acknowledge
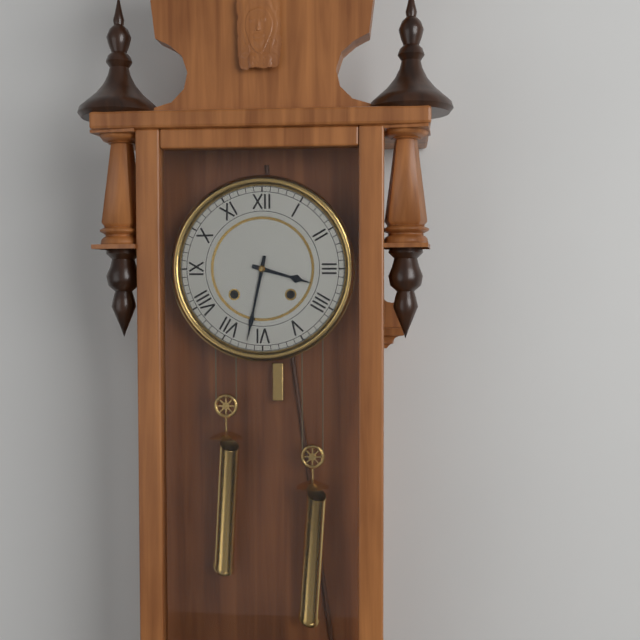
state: 3:32
